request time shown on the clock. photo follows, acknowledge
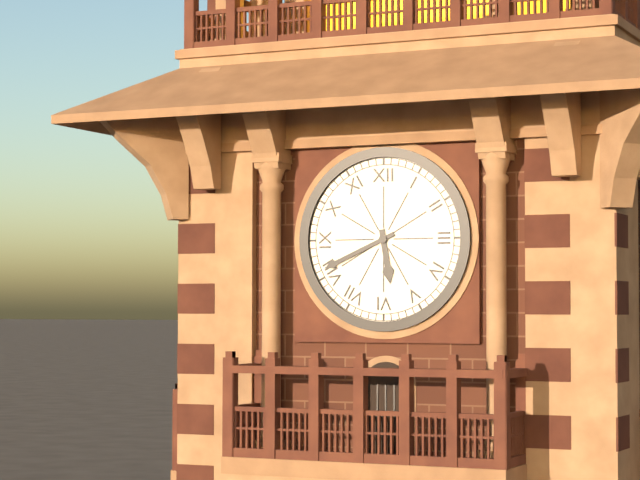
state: 5:41
